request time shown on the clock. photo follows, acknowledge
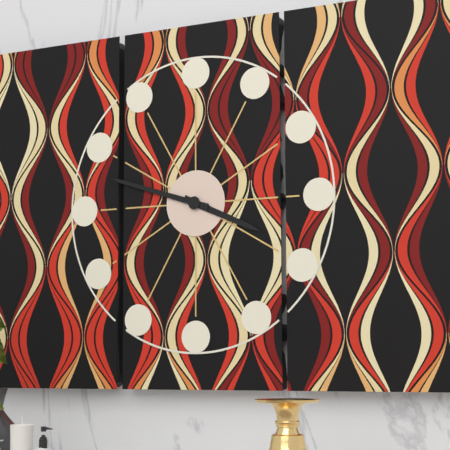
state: 3:48
